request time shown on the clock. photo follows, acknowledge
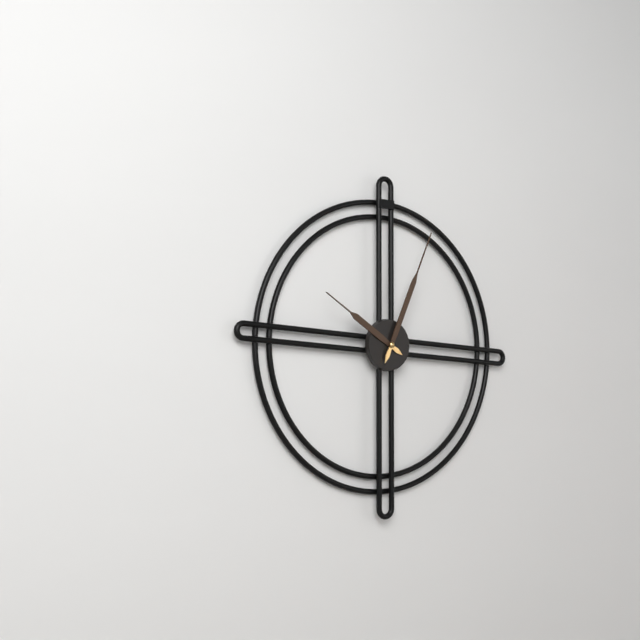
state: 10:04
